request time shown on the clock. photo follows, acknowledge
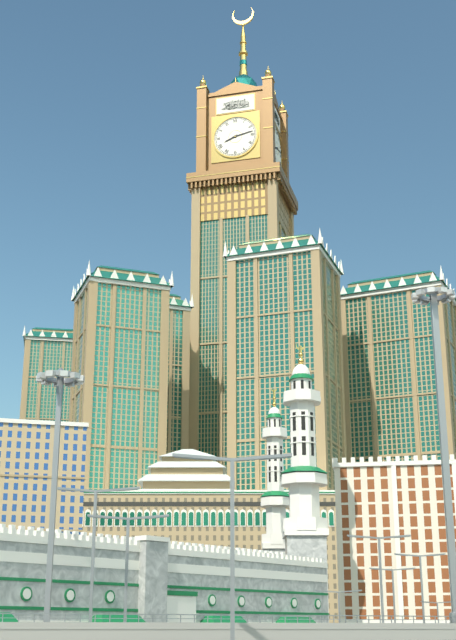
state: 8:13
